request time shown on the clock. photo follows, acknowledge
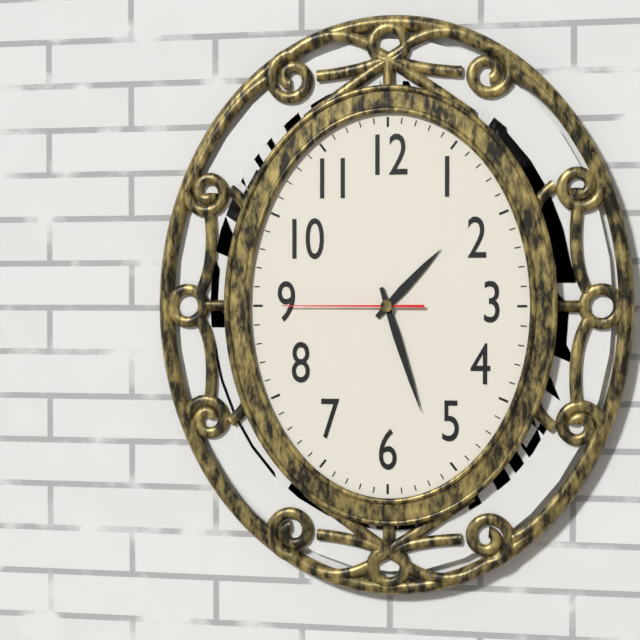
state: 1:27:45
